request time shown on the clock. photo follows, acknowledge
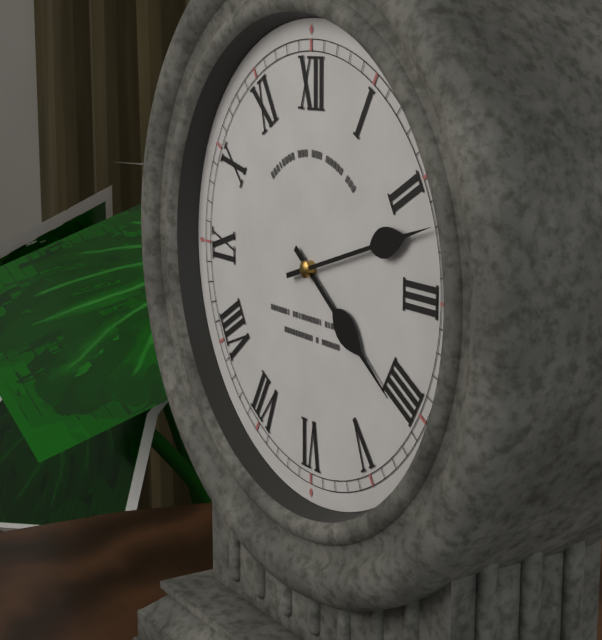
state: 4:12
